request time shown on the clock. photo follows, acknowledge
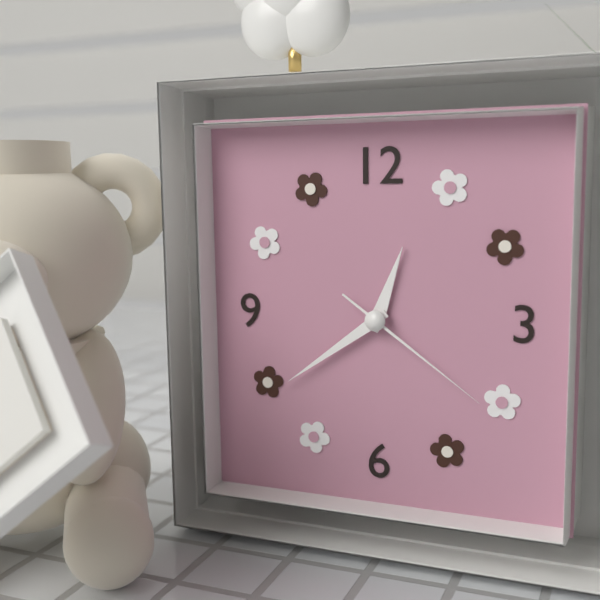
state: 12:39:21
